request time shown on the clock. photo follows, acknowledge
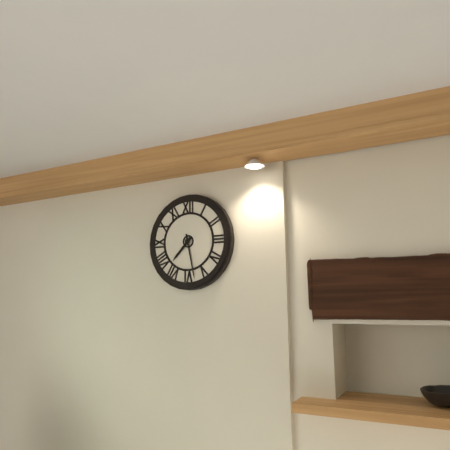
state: 7:28
